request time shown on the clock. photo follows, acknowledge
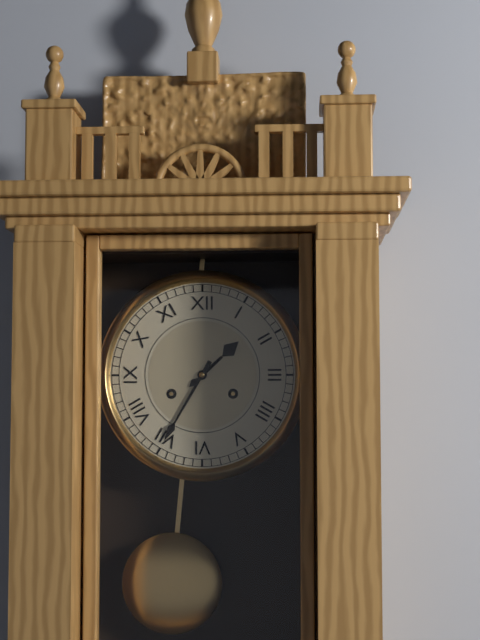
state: 1:35
